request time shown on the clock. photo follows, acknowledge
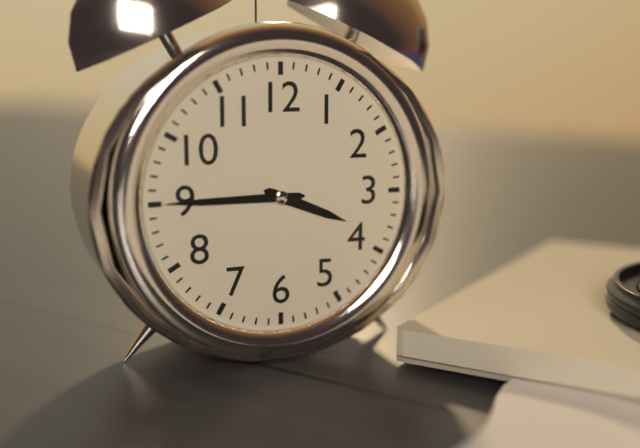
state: 3:45
